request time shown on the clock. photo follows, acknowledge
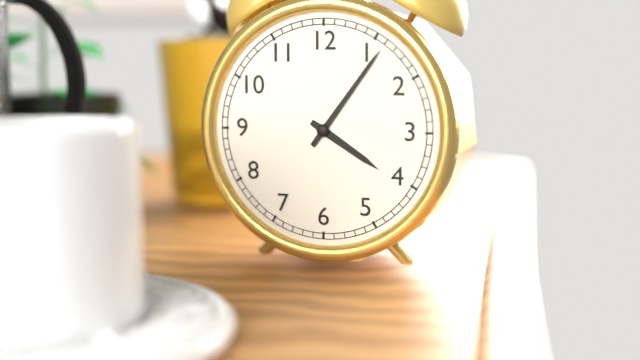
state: 4:06
